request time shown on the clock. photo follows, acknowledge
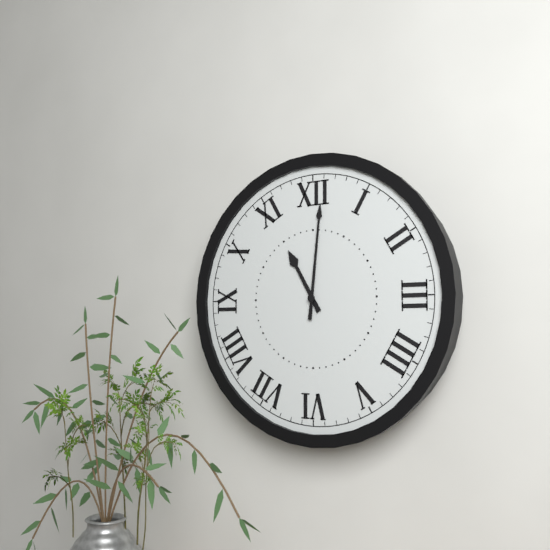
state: 11:01
